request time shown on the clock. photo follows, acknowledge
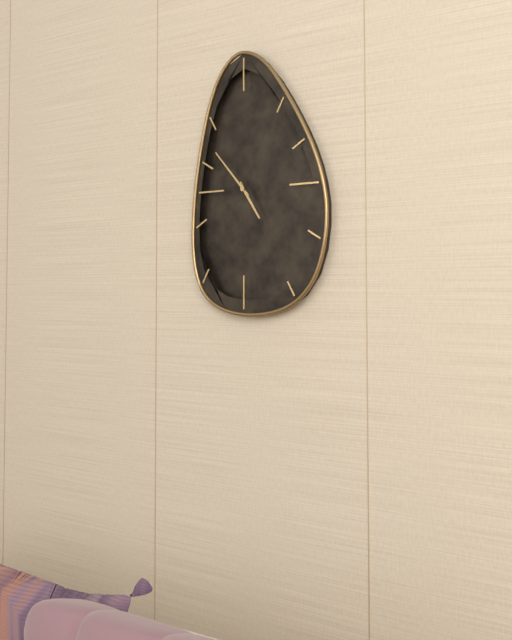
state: 4:53
